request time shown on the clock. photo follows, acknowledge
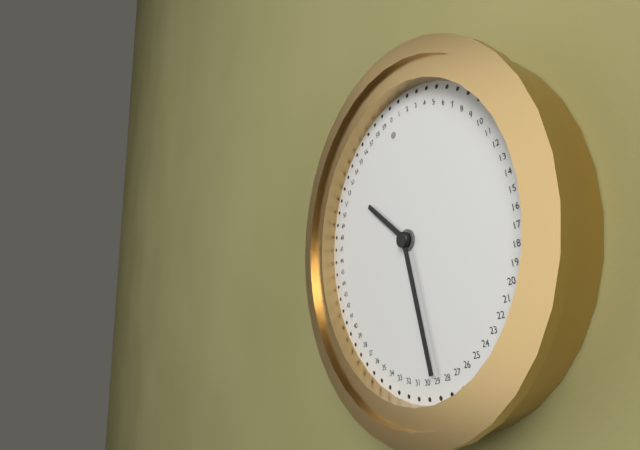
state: 10:29
